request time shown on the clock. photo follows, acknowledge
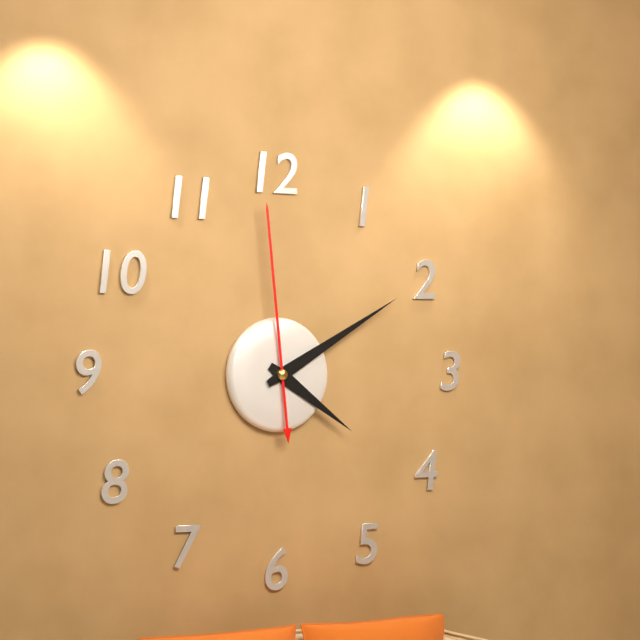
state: 4:10:59
